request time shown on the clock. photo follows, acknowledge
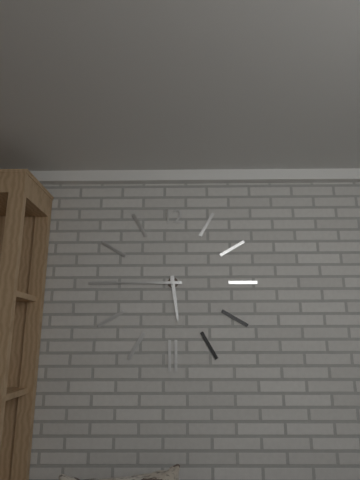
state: 5:45
